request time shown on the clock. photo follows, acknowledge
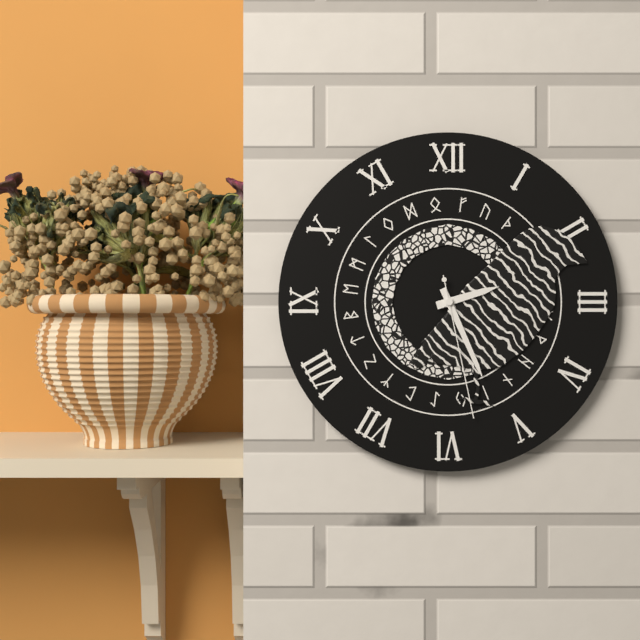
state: 2:26:28
